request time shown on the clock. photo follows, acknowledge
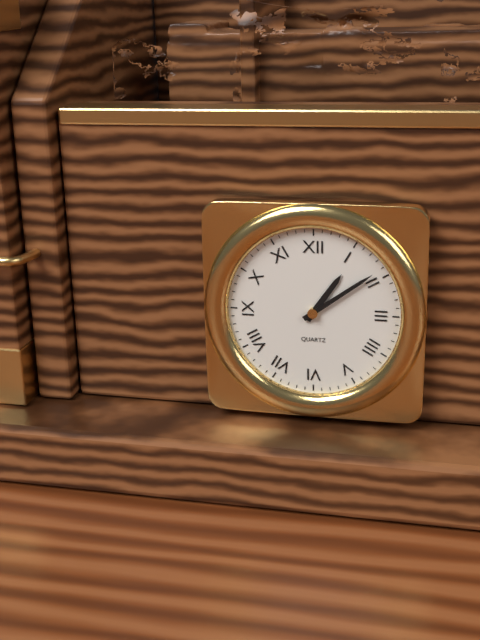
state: 1:09
